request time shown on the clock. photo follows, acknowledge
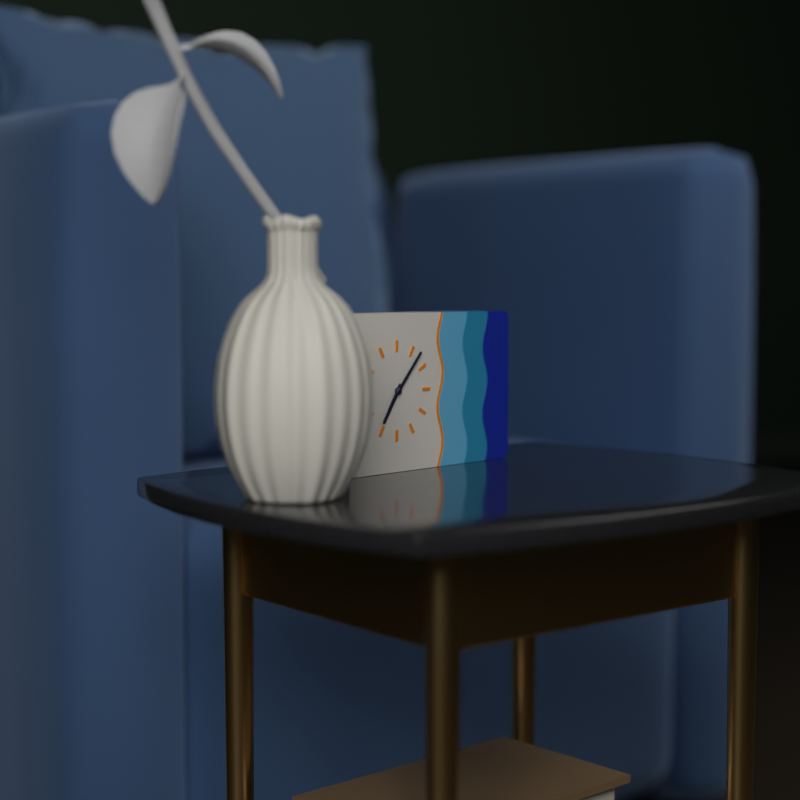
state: 7:07
